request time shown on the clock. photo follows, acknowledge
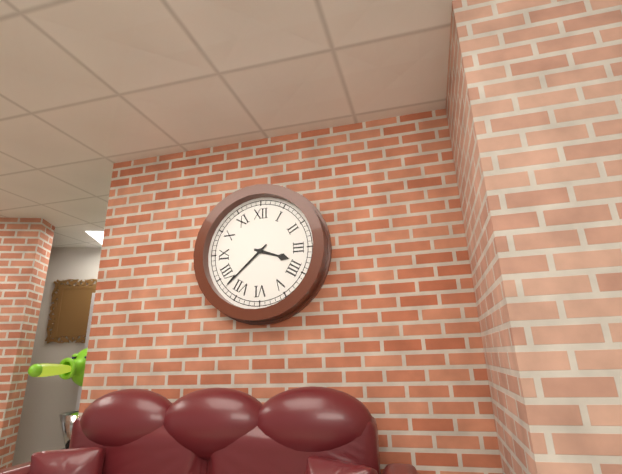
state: 3:38
